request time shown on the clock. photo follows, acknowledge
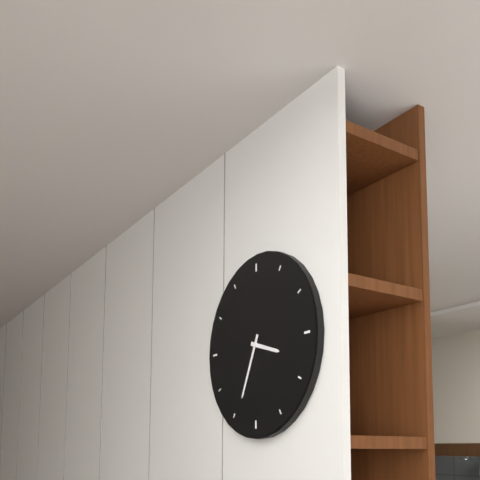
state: 3:34
